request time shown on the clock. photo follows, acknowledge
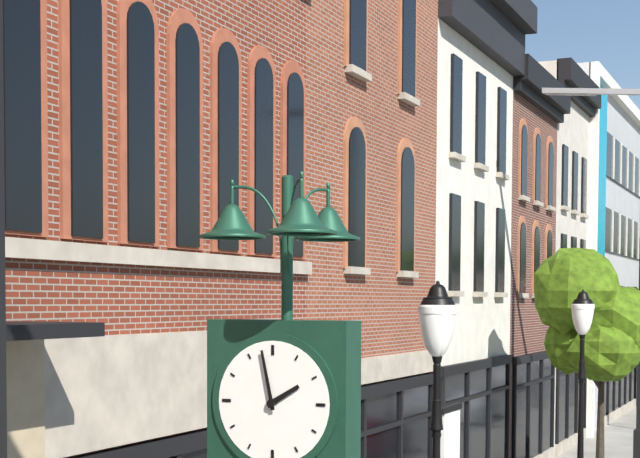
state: 1:58
